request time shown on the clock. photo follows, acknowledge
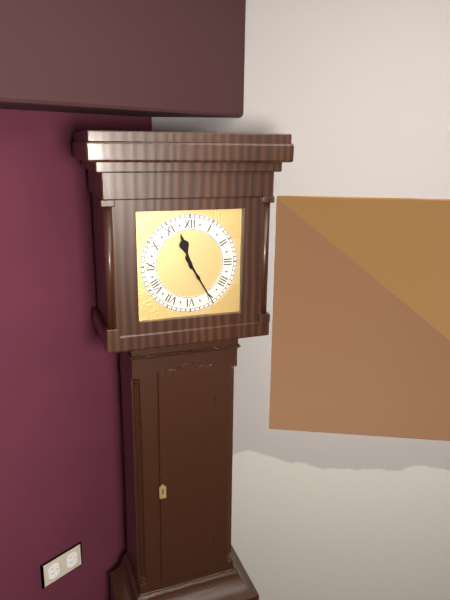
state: 11:25
